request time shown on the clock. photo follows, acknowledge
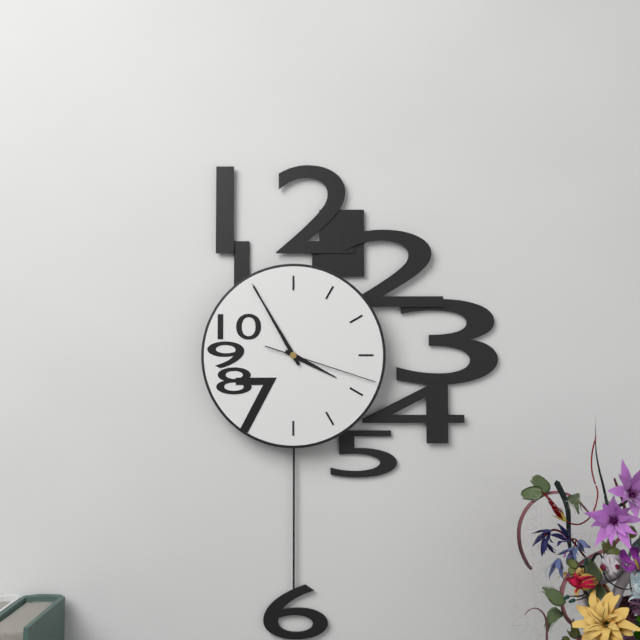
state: 3:55:18
